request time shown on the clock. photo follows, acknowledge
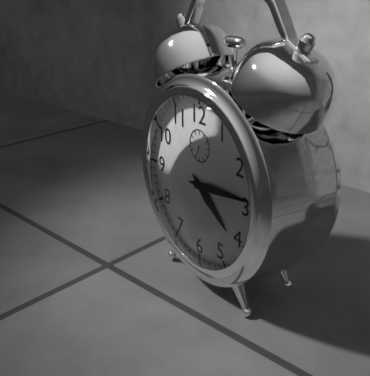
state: 4:14
